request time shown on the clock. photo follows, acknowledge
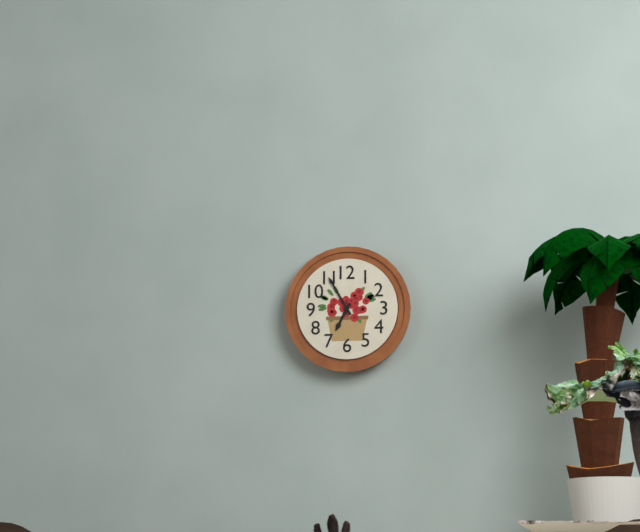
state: 6:55
